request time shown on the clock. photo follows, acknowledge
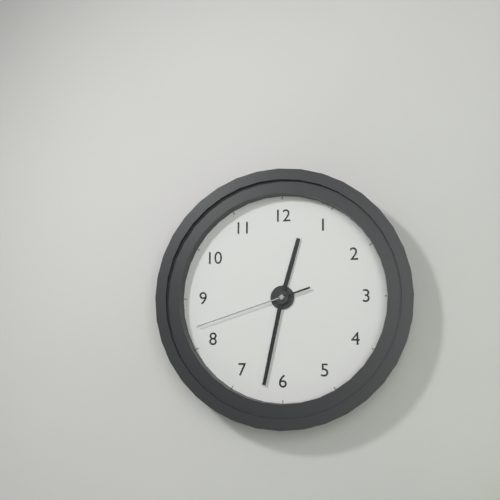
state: 12:32:42
